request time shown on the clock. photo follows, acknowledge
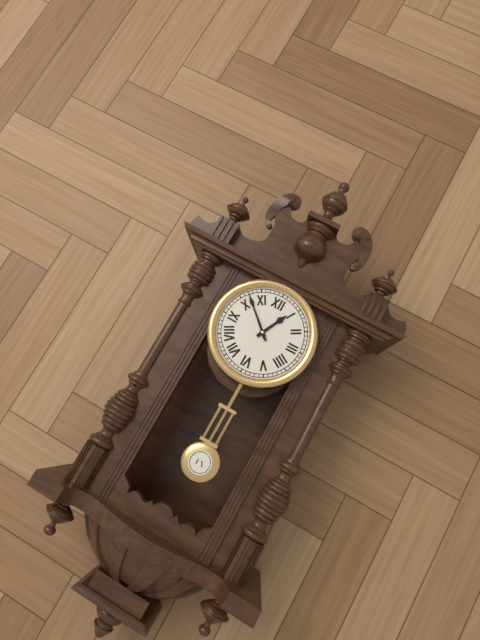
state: 12:52
